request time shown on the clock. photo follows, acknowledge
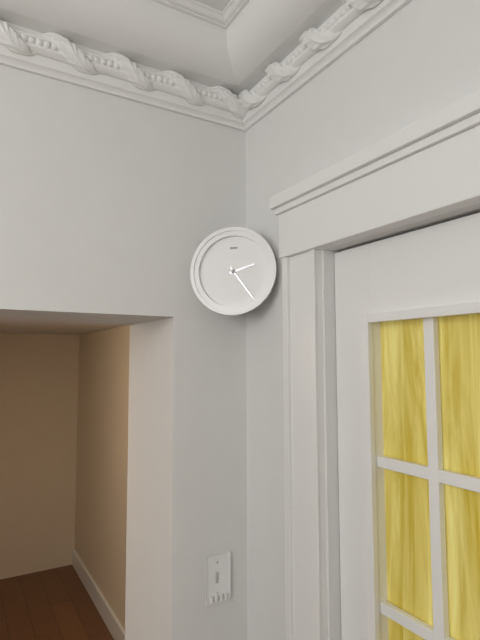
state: 2:24
